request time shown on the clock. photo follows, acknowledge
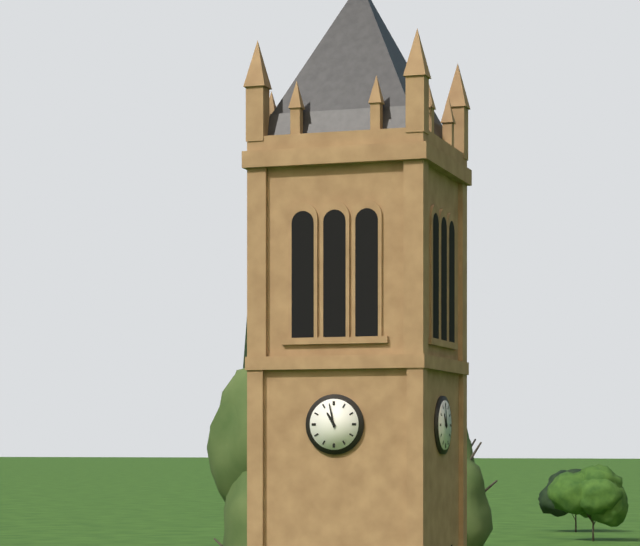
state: 10:58
